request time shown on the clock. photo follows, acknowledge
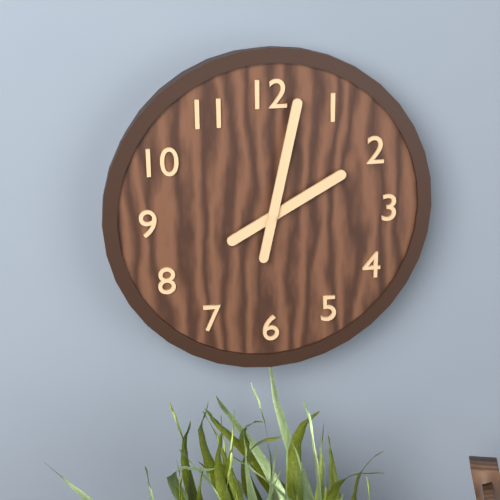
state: 2:02
